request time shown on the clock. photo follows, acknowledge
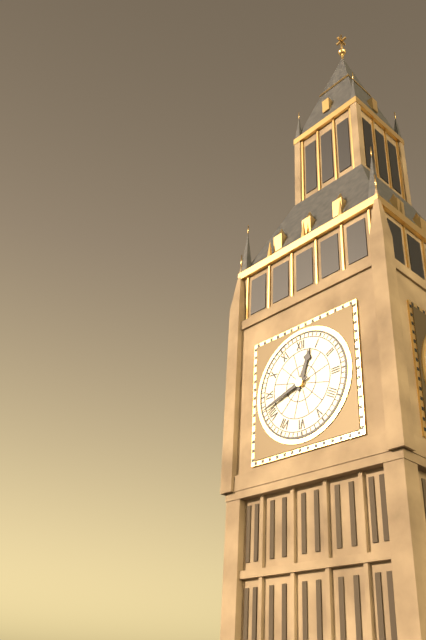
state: 12:42
